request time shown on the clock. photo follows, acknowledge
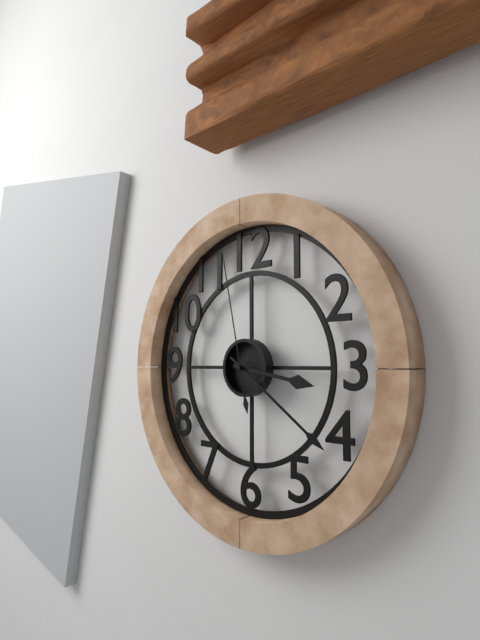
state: 3:21:58
